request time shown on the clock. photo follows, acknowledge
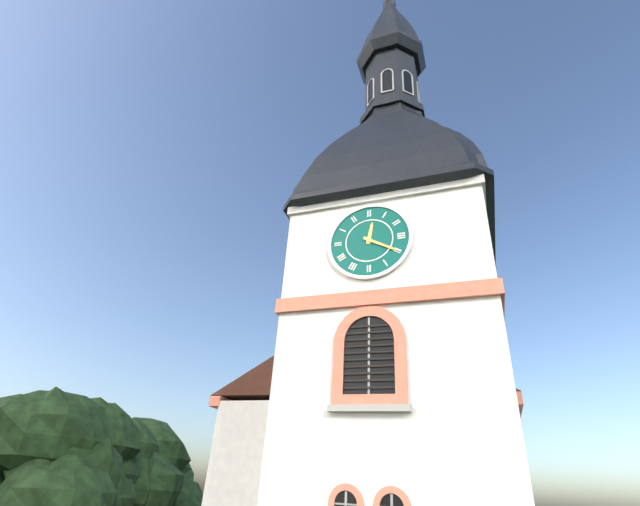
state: 12:20
